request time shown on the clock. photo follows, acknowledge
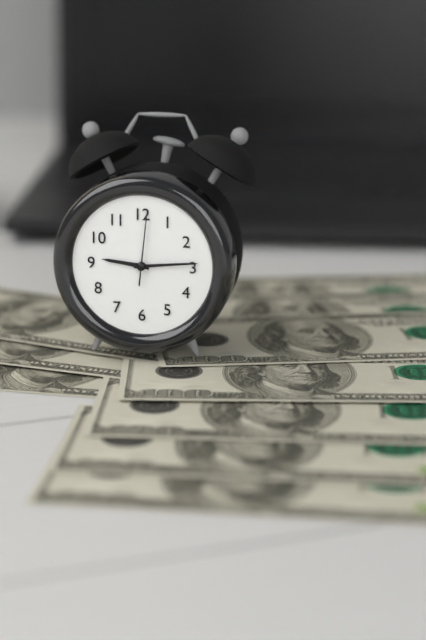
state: 9:14:01
